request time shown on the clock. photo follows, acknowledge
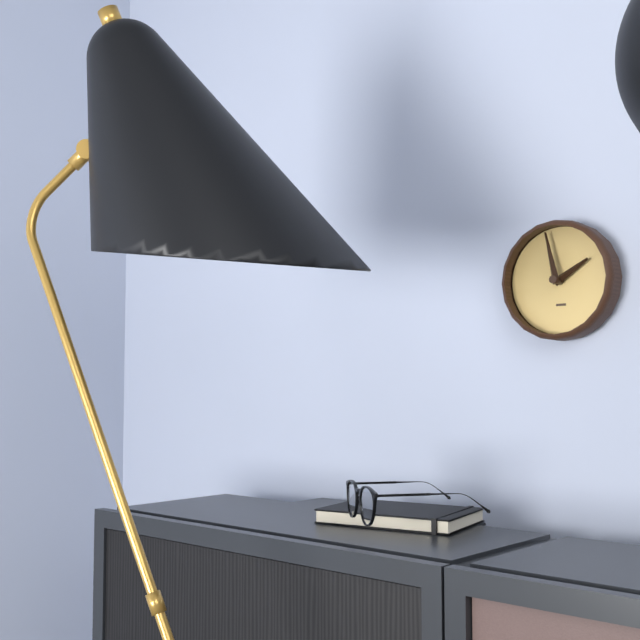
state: 1:58
